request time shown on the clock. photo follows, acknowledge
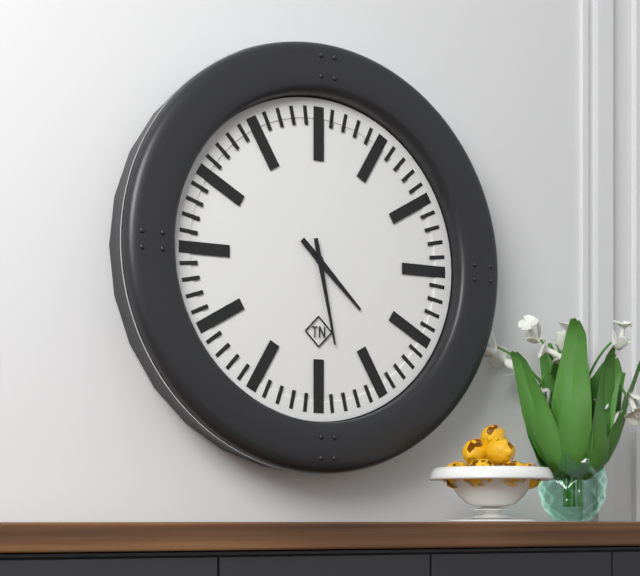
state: 4:28
